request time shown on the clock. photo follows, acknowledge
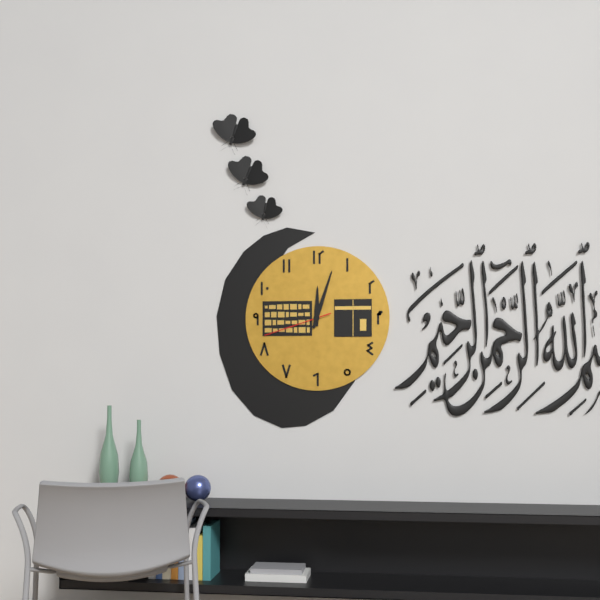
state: 12:03:42
